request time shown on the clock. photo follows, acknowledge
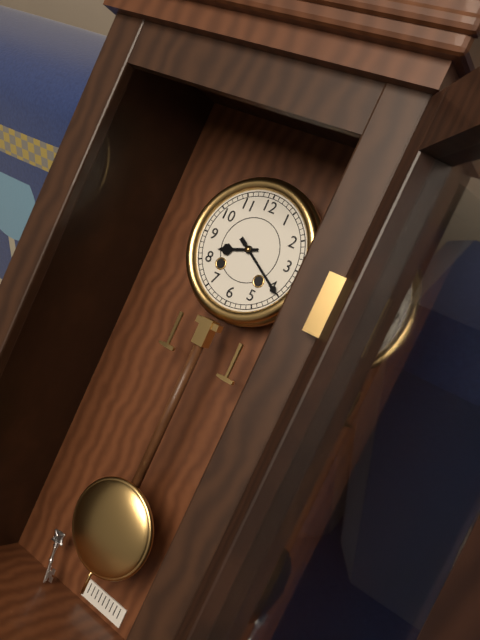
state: 8:20
